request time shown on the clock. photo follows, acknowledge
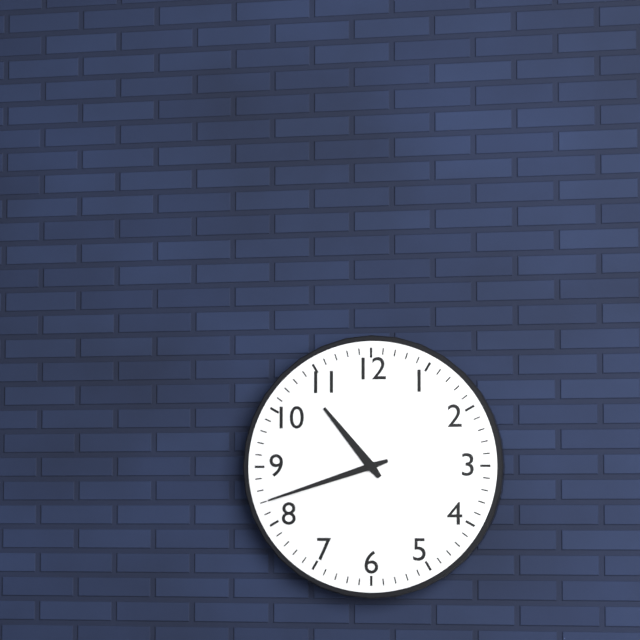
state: 10:42
